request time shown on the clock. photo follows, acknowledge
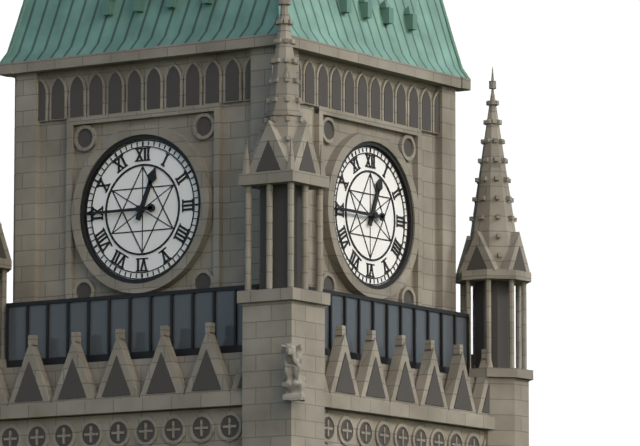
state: 12:45
